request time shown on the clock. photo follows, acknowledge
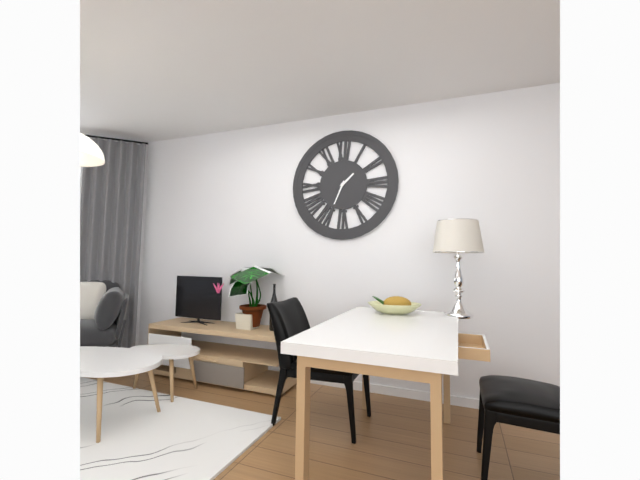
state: 1:34
